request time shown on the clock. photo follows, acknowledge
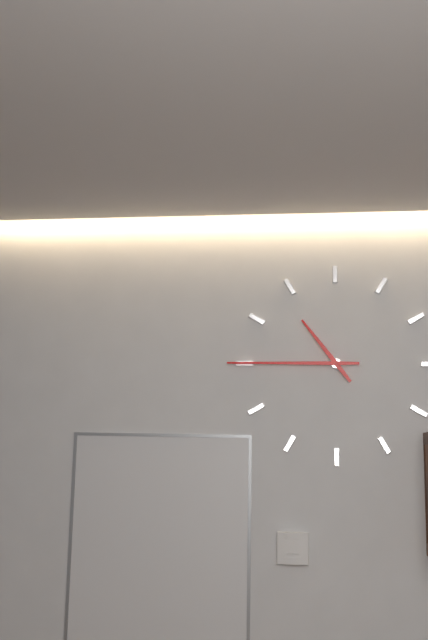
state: 10:45
